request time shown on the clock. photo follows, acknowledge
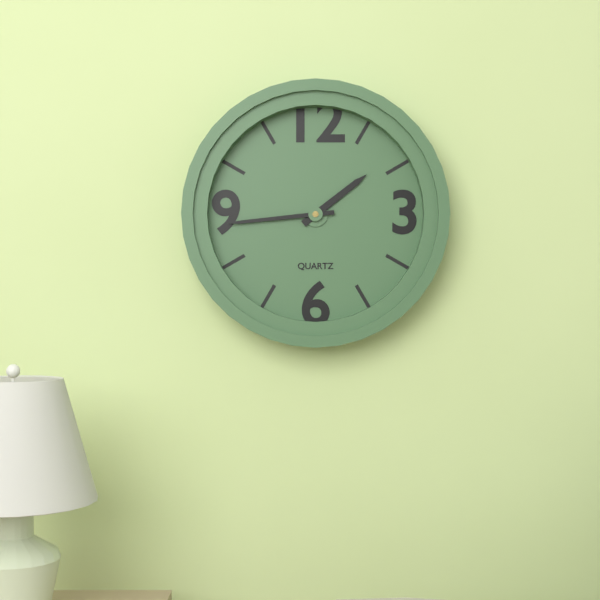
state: 1:44
